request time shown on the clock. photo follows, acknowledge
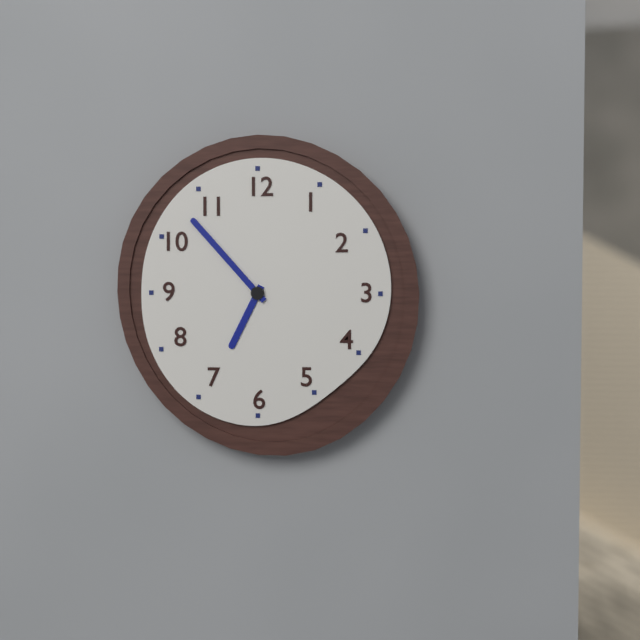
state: 6:53
